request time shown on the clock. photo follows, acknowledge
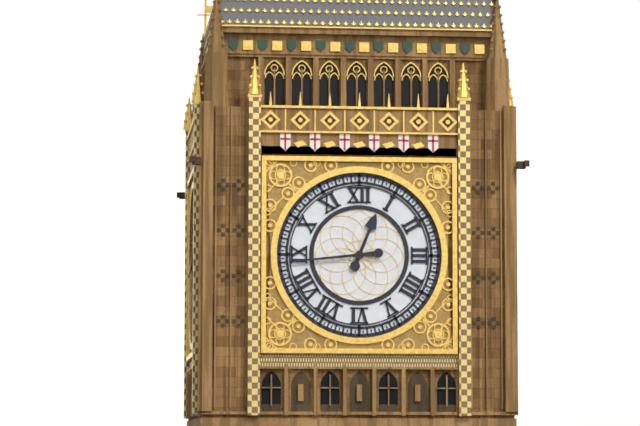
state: 12:44
